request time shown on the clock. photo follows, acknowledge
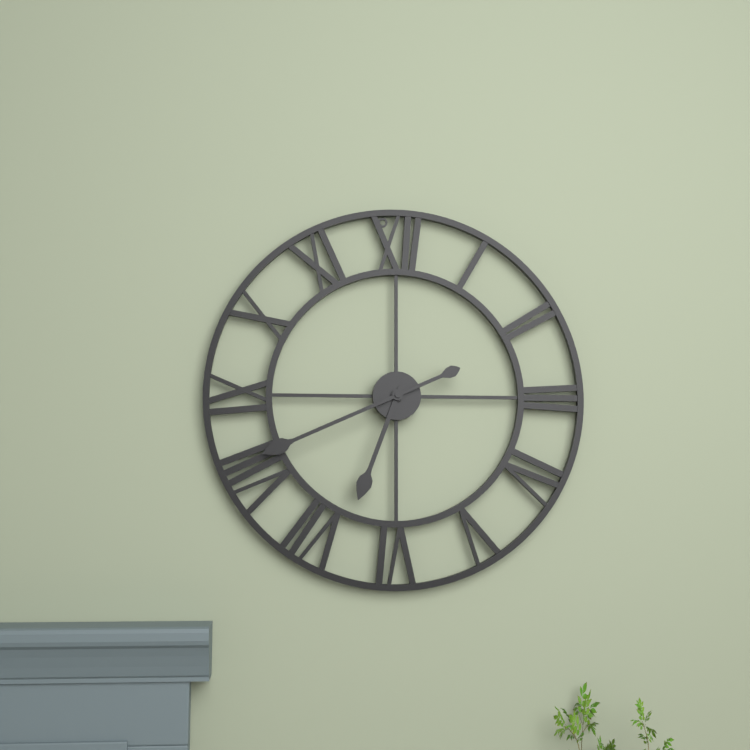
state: 6:41
